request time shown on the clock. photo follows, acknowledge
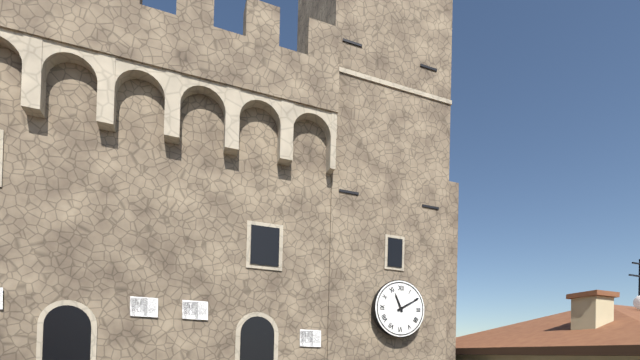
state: 11:10
